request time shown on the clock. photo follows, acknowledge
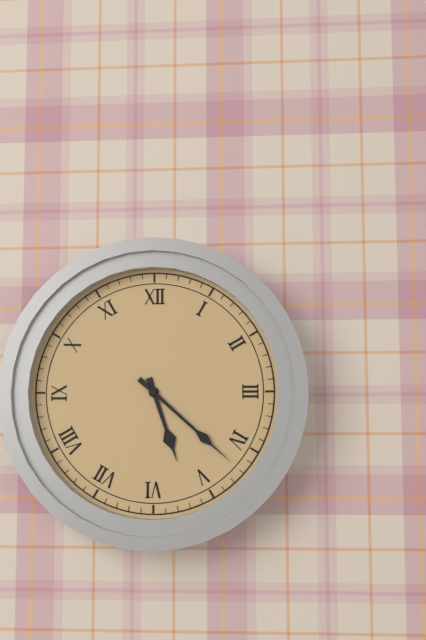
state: 5:22
